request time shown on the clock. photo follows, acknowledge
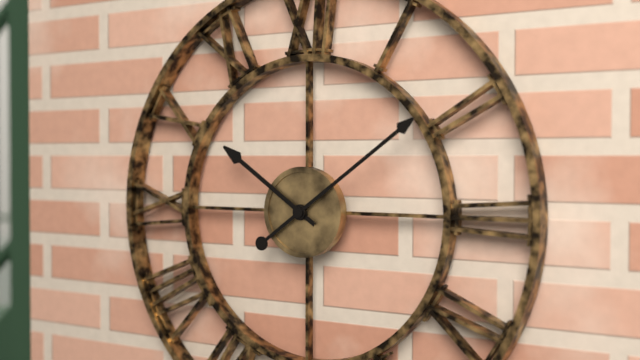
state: 10:09
